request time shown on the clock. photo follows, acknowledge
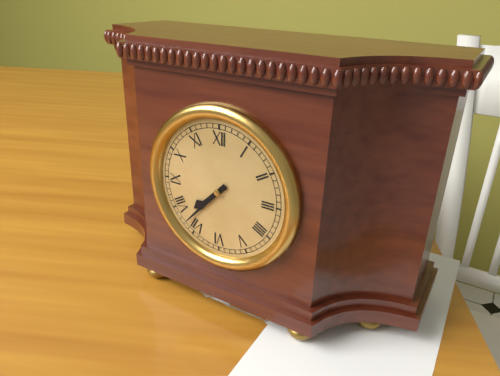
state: 7:37
